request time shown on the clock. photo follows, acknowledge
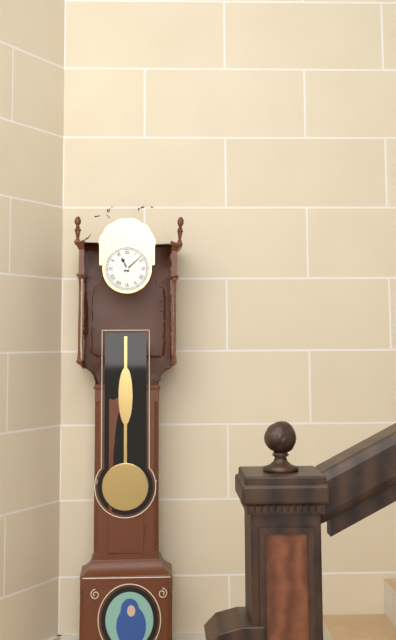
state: 11:08
